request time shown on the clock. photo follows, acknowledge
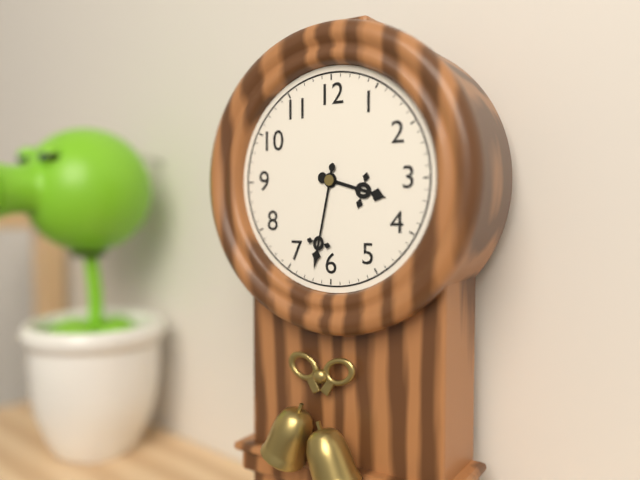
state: 3:32
